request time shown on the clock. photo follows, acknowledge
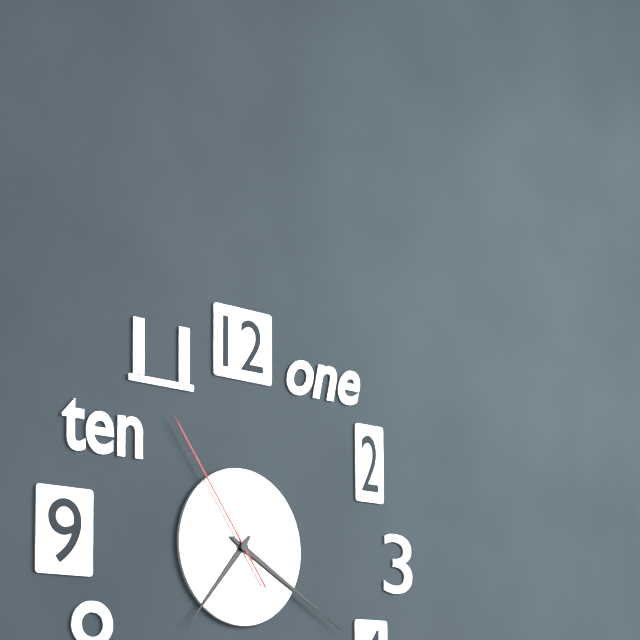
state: 7:20:54
